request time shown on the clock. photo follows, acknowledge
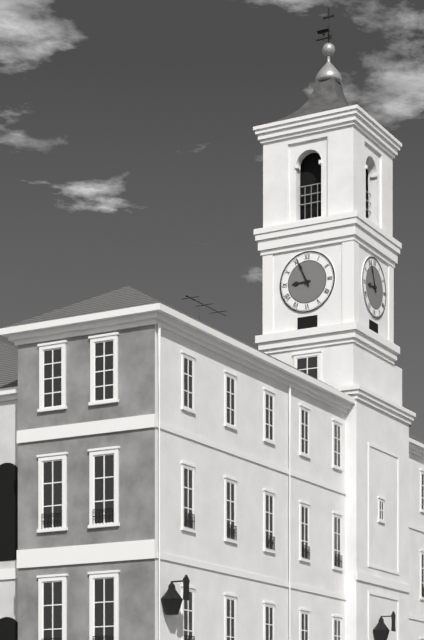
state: 8:56
